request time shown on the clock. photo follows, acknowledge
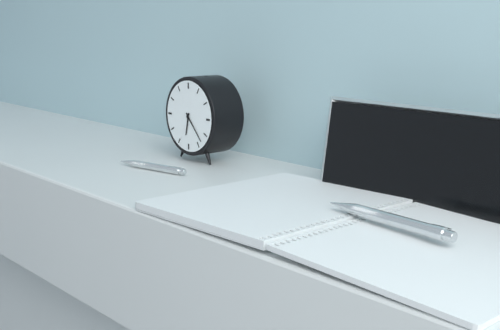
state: 6:23
